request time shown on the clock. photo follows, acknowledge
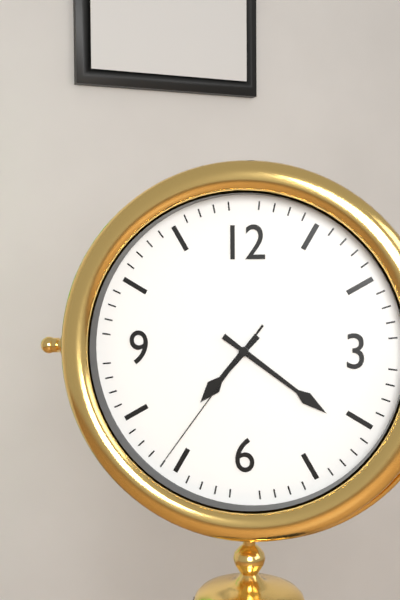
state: 7:21:36
